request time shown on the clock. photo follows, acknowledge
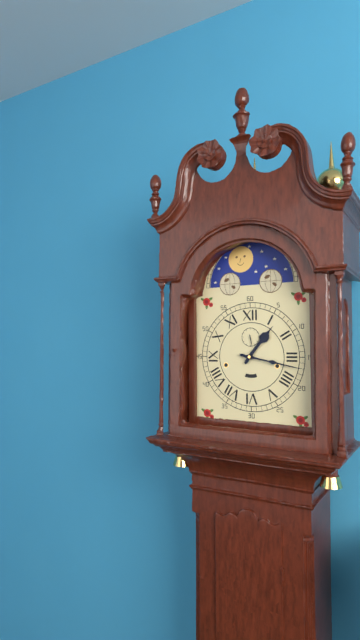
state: 1:17
